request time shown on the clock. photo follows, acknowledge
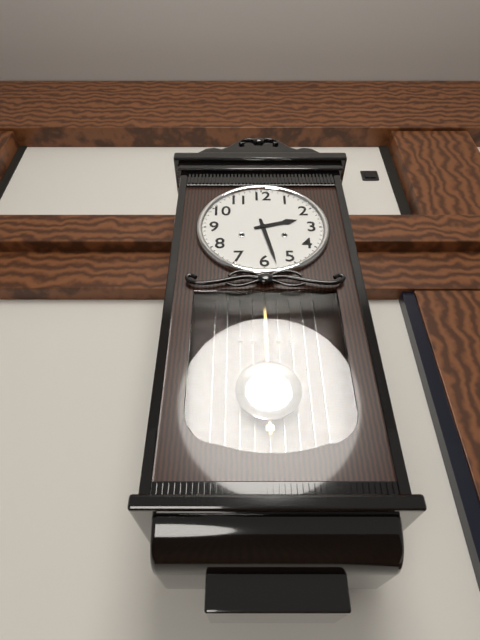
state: 2:28
